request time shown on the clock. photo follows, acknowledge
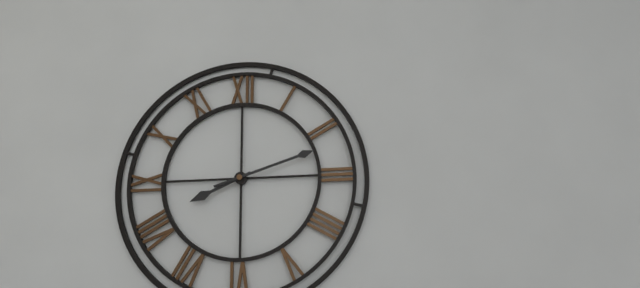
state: 8:12
